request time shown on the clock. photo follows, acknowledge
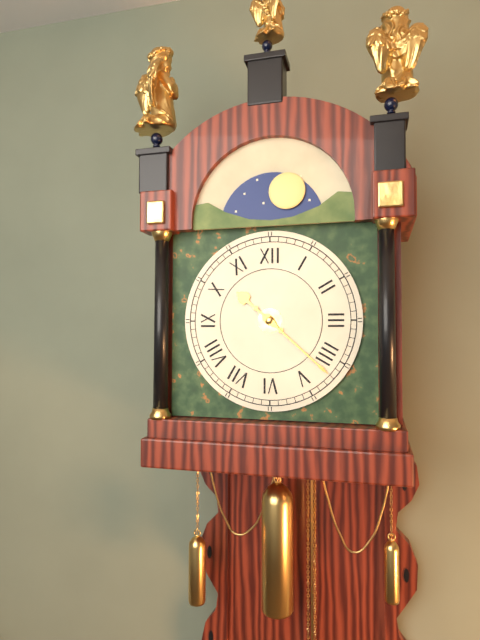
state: 10:22
